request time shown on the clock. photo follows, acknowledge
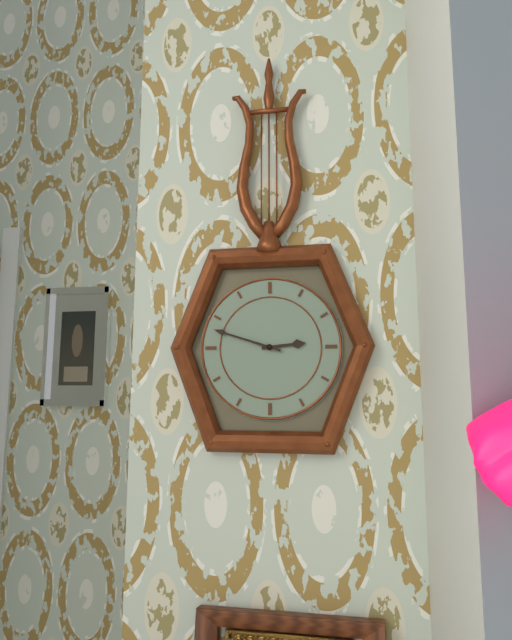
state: 2:48
